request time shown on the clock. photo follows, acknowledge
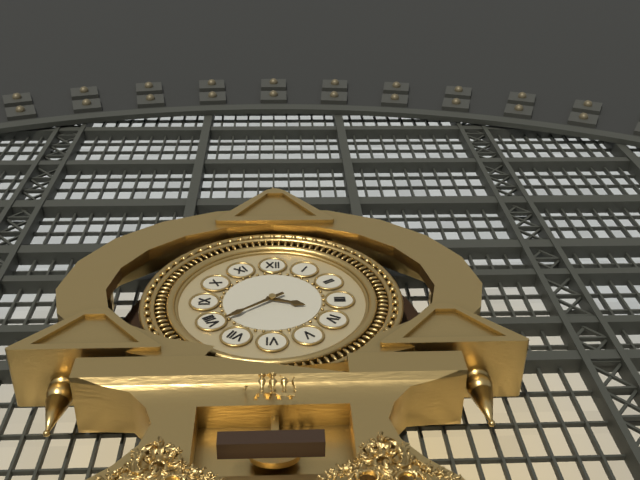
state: 3:39
